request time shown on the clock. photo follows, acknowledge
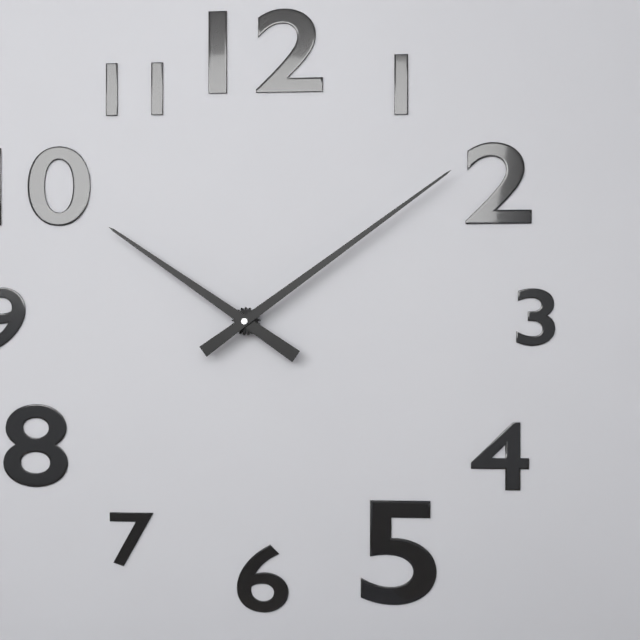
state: 10:09
